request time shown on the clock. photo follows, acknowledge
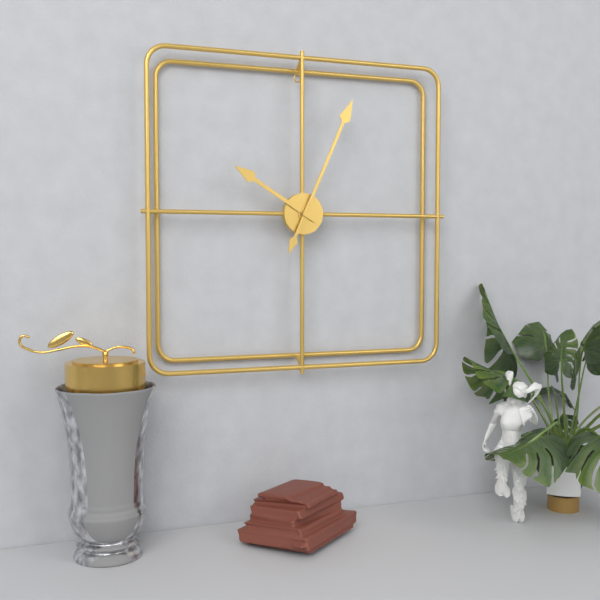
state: 10:04
